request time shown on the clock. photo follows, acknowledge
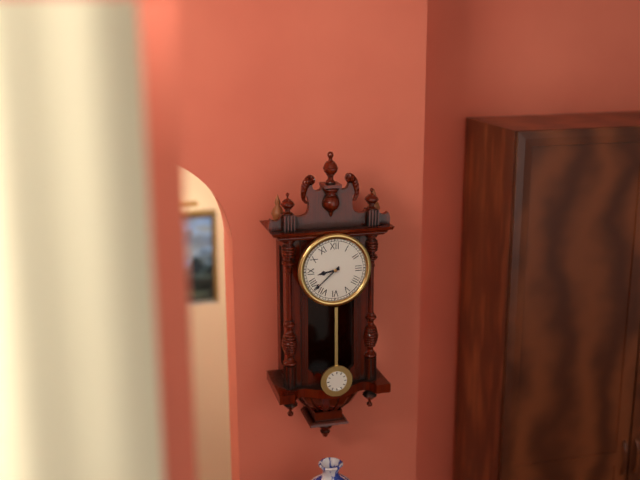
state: 8:38
